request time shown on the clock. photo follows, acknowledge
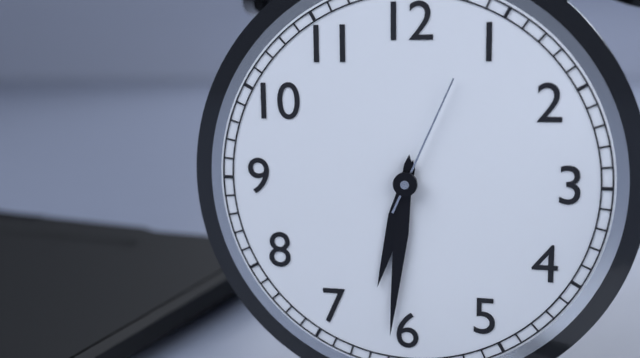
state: 6:31:04
